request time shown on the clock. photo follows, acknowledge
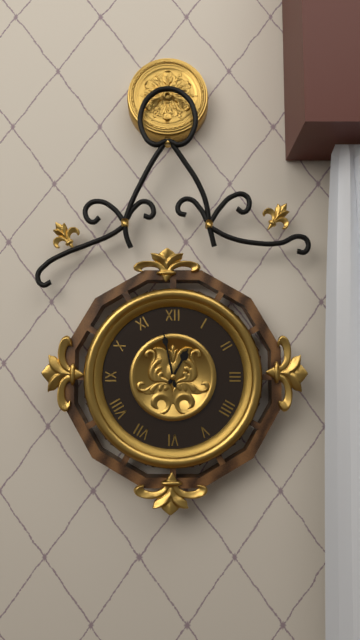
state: 12:58
